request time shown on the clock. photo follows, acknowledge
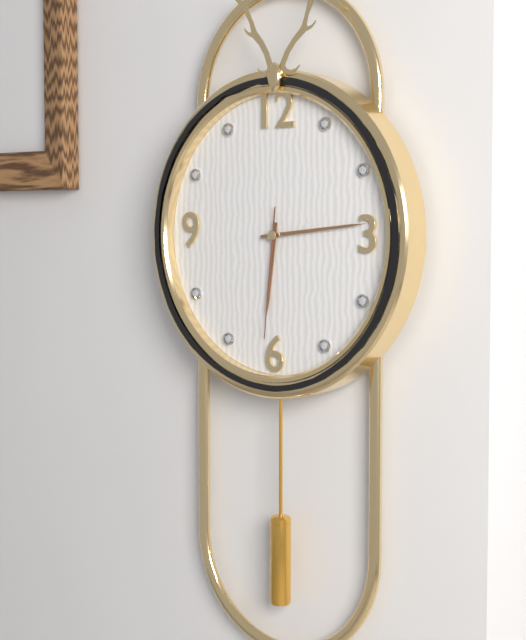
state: 6:14:31
